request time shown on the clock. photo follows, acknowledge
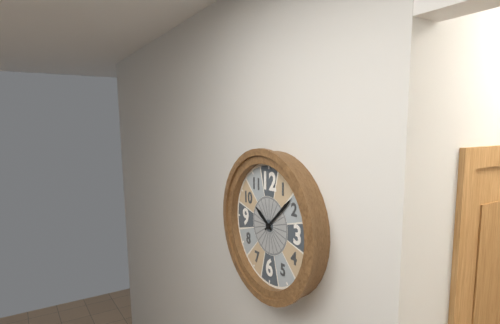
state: 10:08
